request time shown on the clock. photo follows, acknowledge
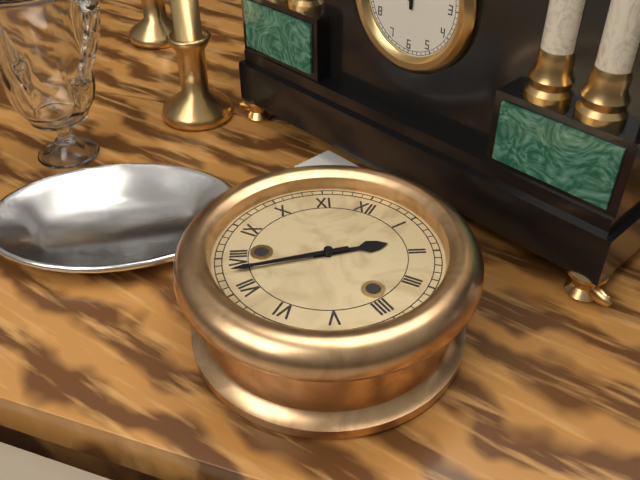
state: 1:38
